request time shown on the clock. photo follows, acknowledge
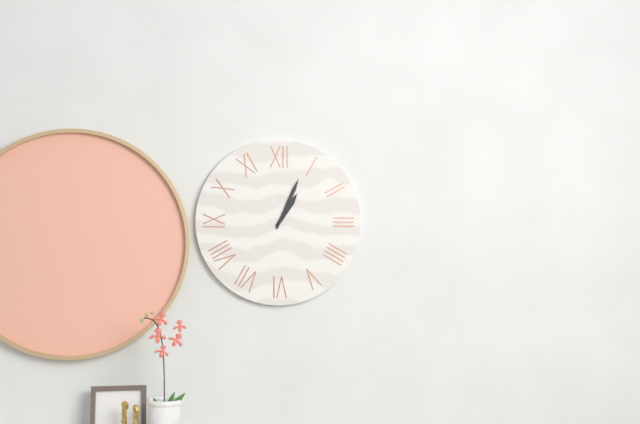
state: 1:04
